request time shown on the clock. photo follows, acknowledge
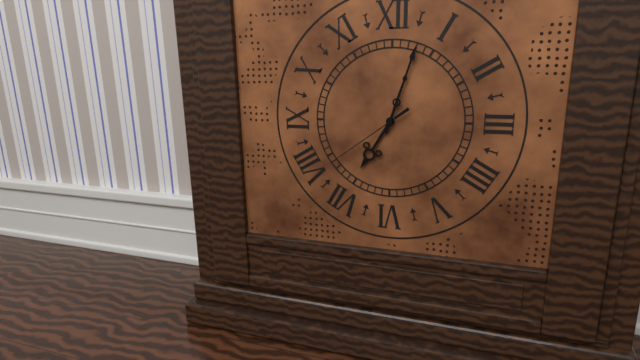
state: 7:03:39
